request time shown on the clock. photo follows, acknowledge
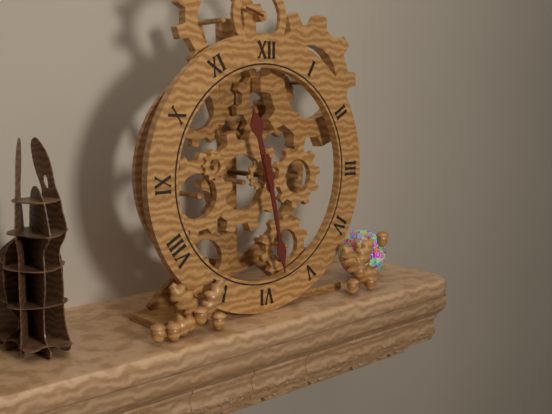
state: 11:28
